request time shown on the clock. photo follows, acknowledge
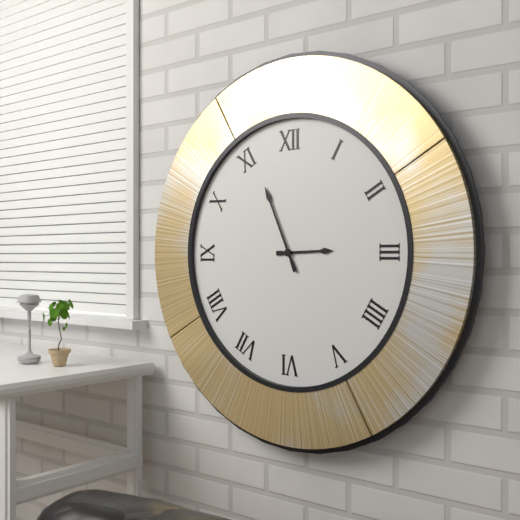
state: 2:56
